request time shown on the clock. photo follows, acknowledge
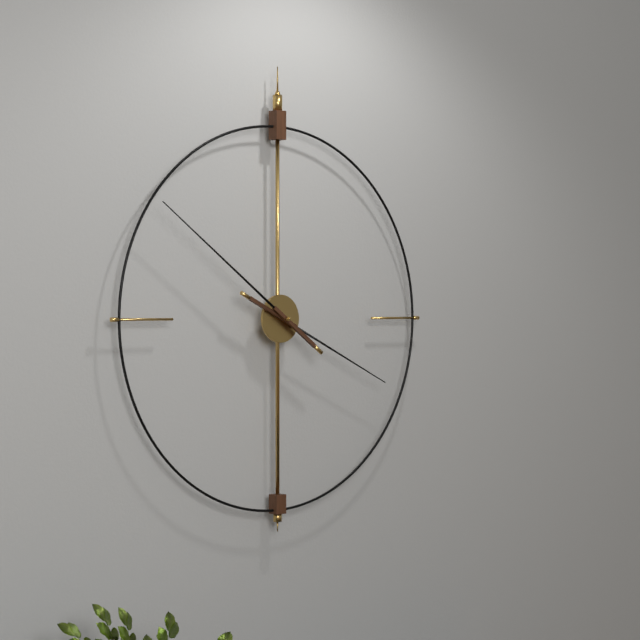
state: 3:51
